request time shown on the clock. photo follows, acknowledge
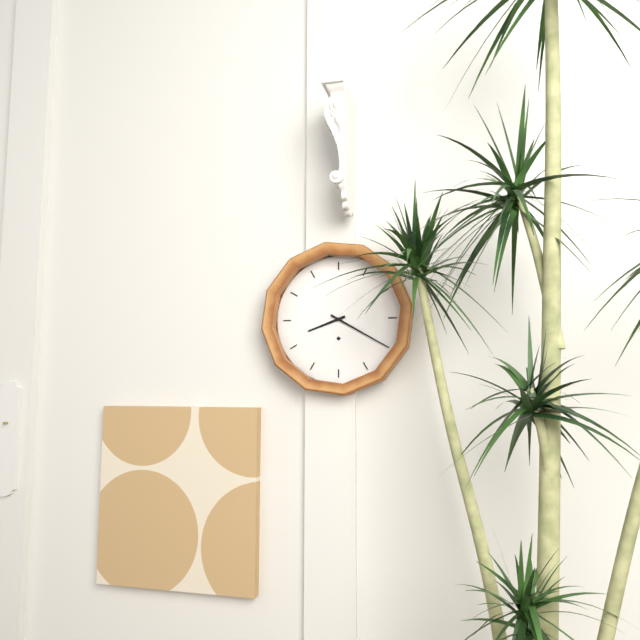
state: 8:20
